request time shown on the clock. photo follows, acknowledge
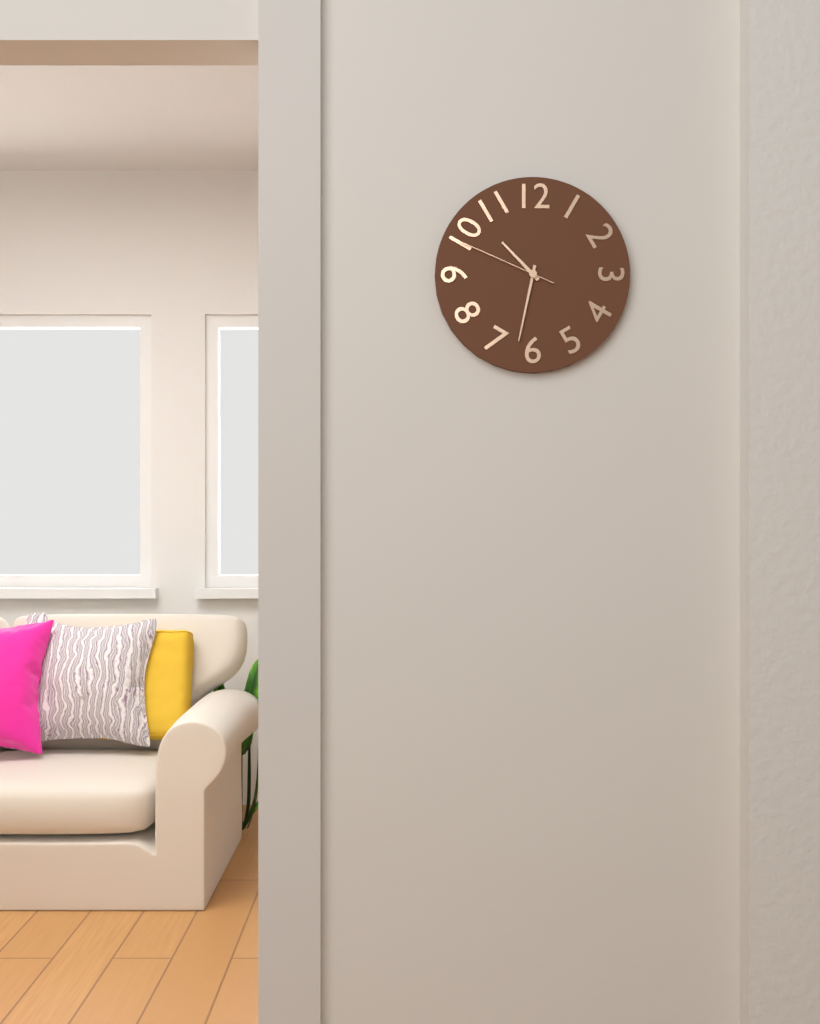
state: 10:32:49
